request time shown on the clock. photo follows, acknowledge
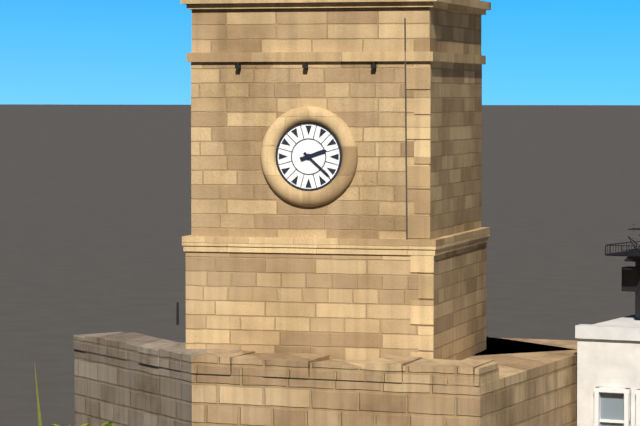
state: 2:22
